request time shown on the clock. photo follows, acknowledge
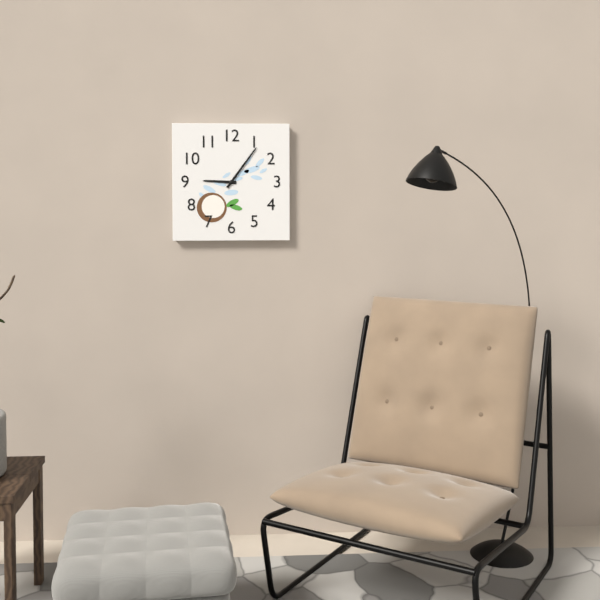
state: 9:06
